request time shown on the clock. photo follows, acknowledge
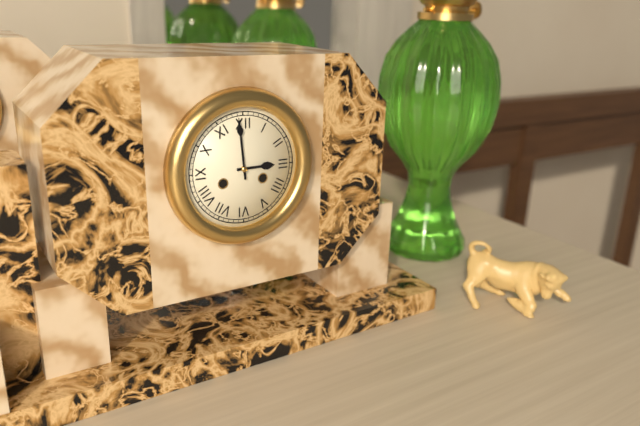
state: 2:59
